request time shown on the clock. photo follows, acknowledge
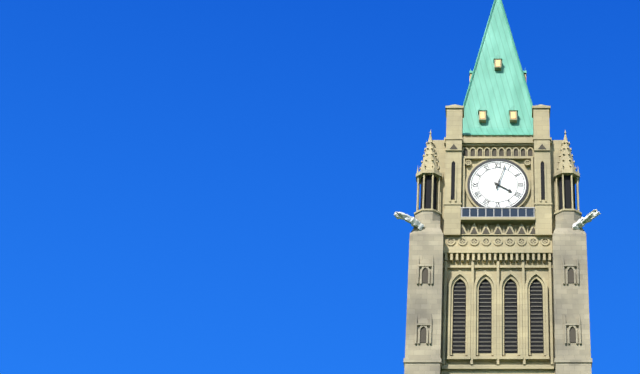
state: 4:03
